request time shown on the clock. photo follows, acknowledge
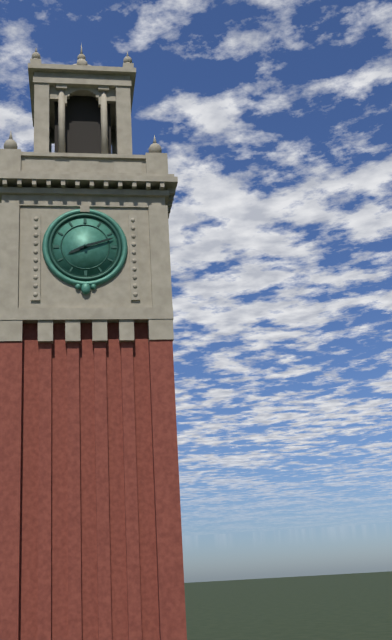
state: 8:12
